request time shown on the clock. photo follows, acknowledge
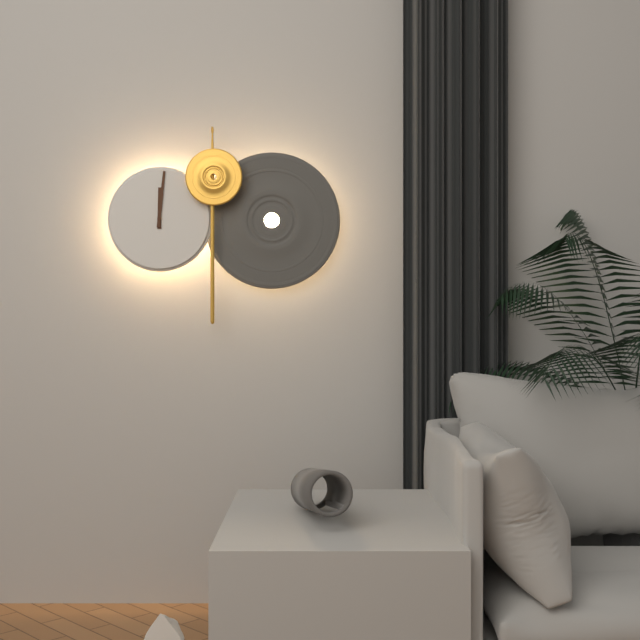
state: 12:01
